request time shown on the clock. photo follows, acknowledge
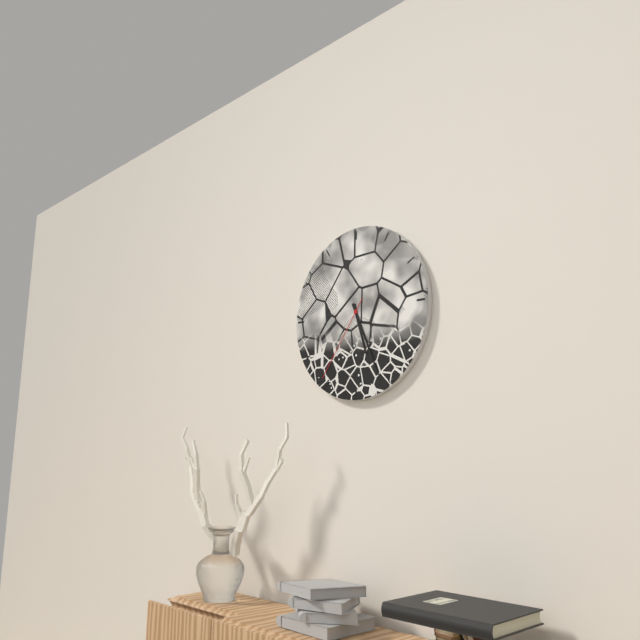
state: 5:26:36
